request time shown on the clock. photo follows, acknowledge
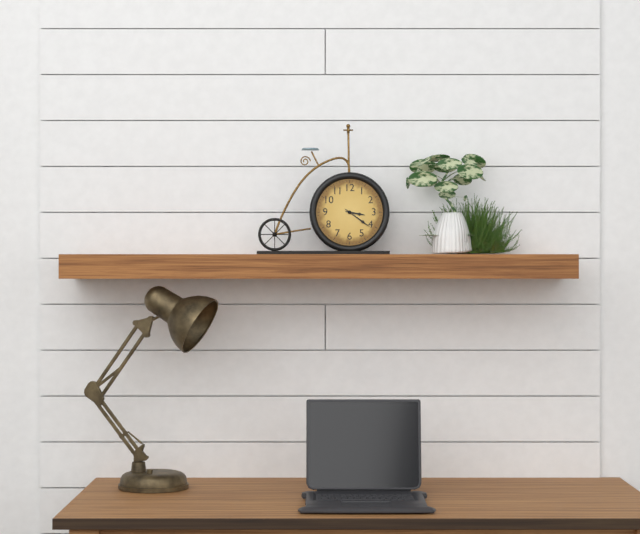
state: 3:21
